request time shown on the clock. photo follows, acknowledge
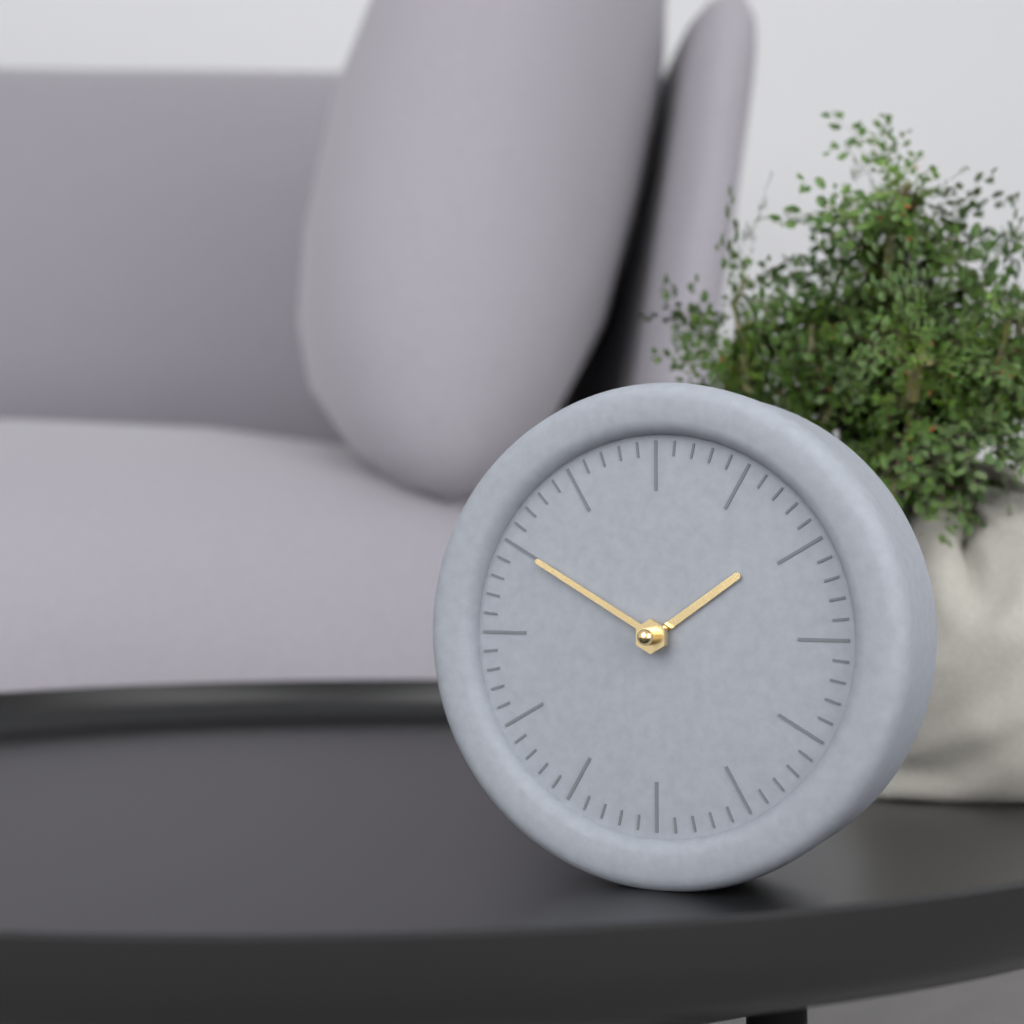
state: 1:50
